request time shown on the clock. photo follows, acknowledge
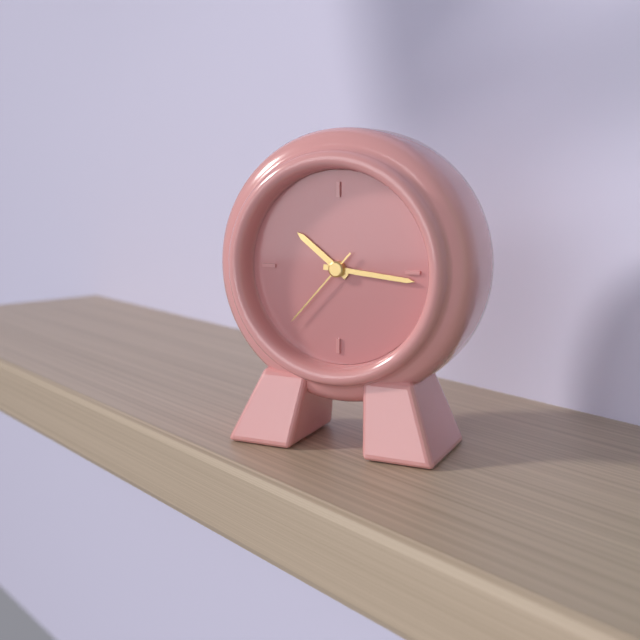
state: 10:16:37
